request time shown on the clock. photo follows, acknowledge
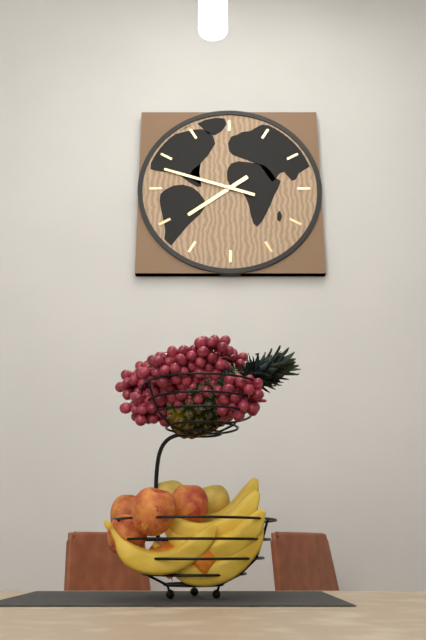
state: 7:48
